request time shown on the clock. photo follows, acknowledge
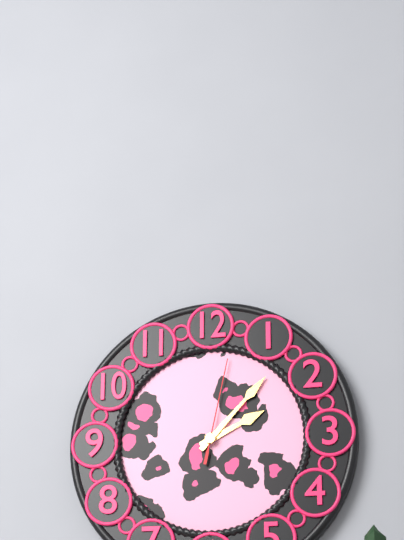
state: 2:07:02
